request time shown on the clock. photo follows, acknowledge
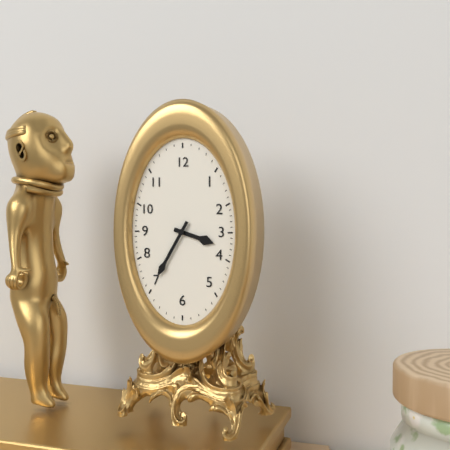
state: 3:35
